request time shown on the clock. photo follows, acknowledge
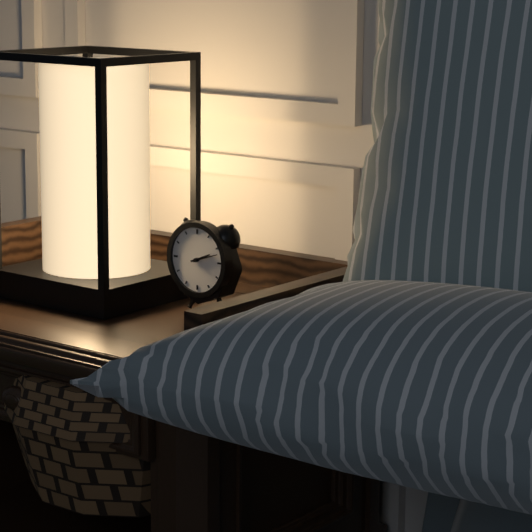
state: 2:12
